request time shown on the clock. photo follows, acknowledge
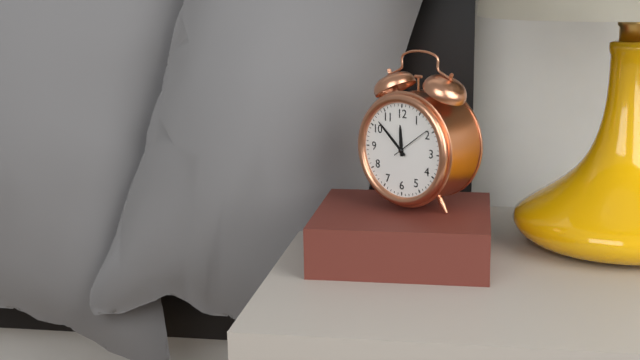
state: 11:52
